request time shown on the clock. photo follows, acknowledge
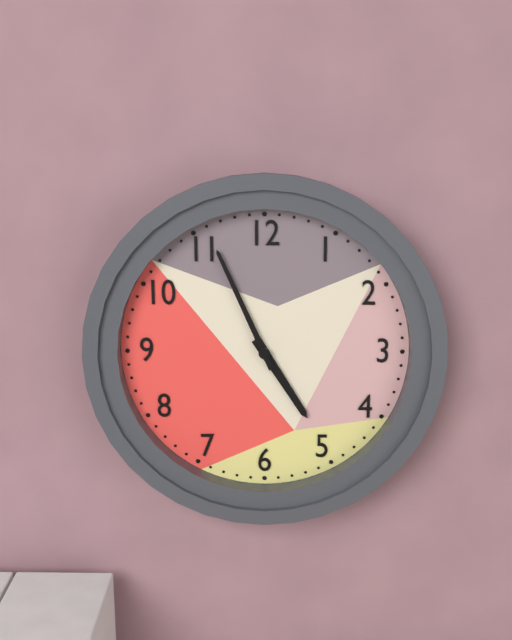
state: 4:56
